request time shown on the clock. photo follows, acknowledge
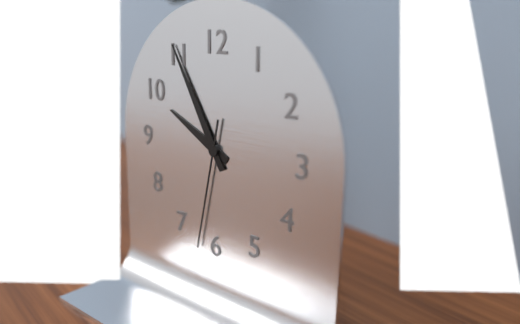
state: 9:55:32
